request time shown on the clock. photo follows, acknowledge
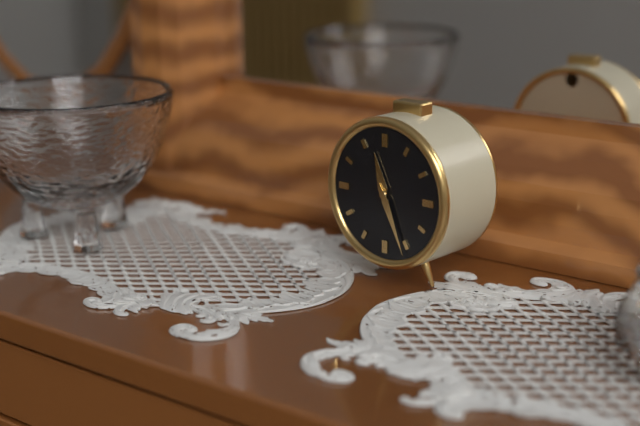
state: 11:26
